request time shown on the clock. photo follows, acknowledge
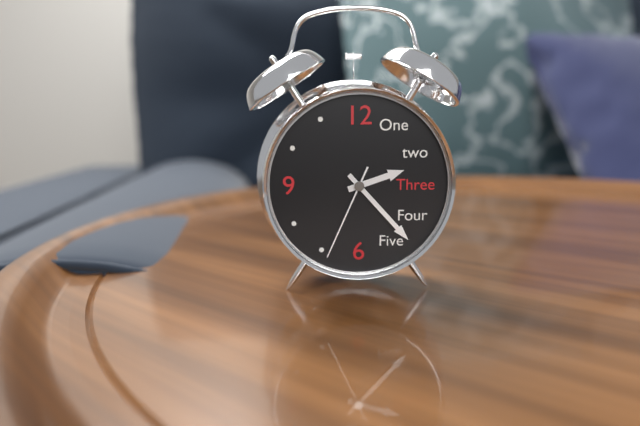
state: 2:23:34
